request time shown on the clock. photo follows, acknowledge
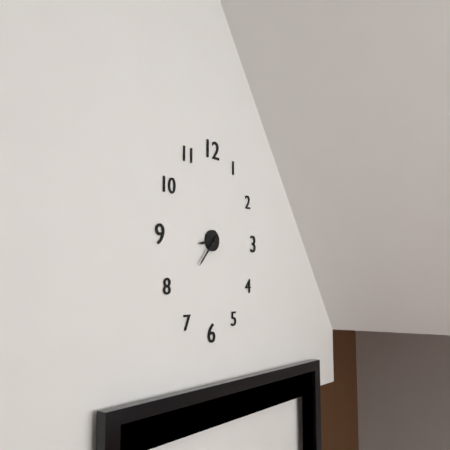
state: 8:37
